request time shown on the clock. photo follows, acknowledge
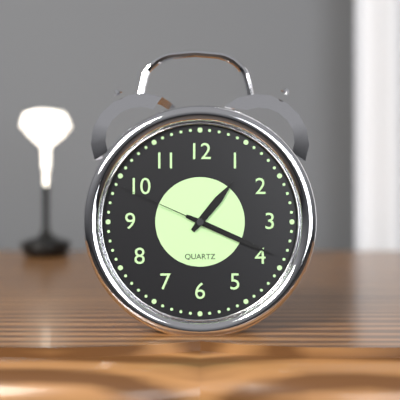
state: 1:19:49
